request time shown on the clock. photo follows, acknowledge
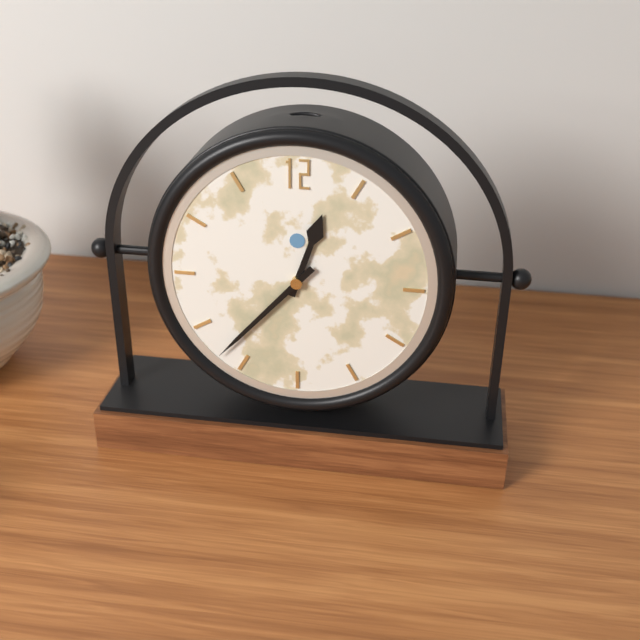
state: 12:37
